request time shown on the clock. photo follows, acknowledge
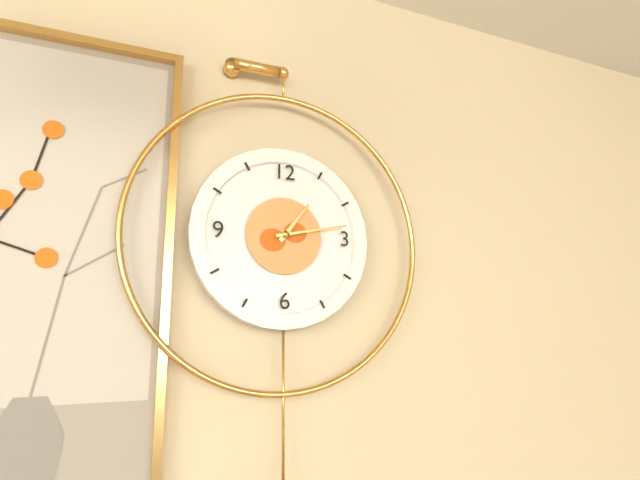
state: 1:13
